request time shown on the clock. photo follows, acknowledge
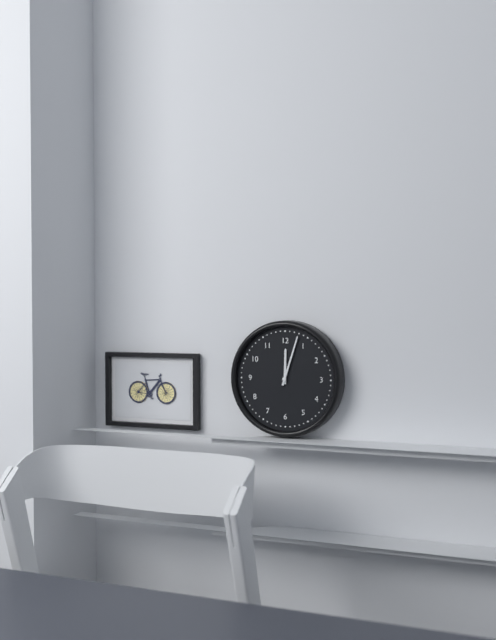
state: 12:03
